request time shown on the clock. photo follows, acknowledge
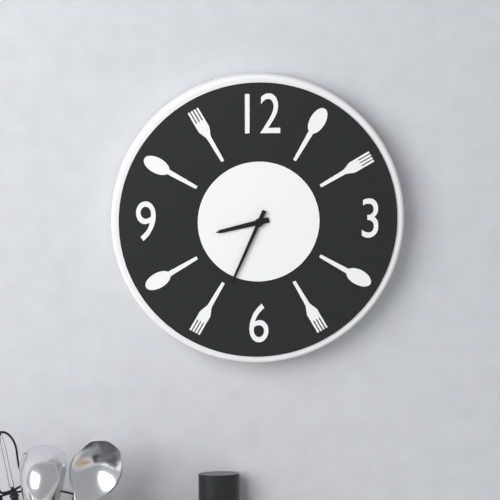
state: 8:34
